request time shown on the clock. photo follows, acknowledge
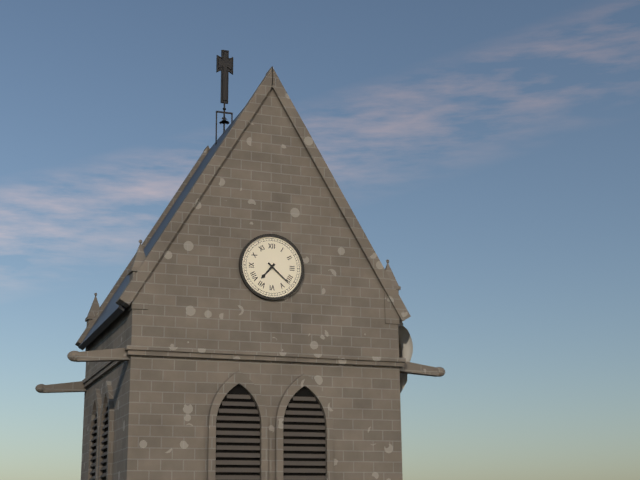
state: 7:22
